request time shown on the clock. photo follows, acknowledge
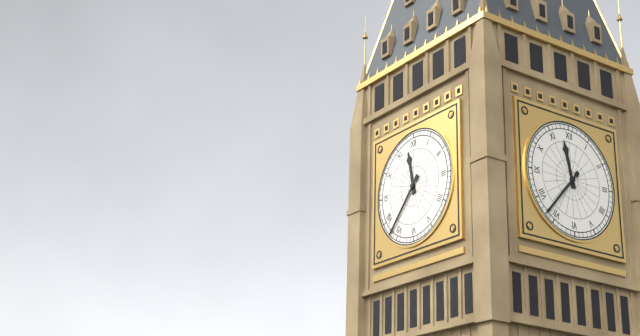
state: 11:37
